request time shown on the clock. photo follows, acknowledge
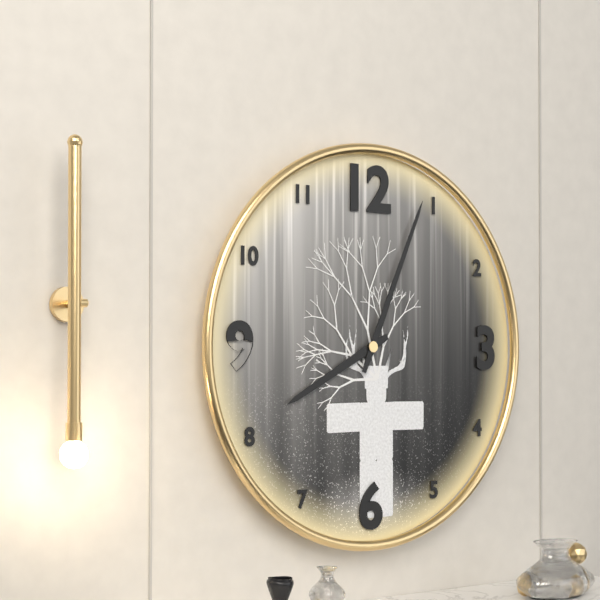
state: 8:04
